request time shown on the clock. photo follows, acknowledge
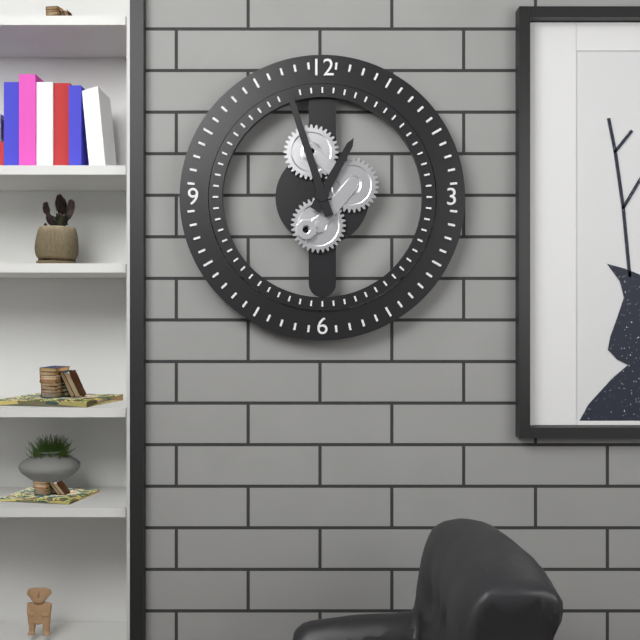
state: 12:57
